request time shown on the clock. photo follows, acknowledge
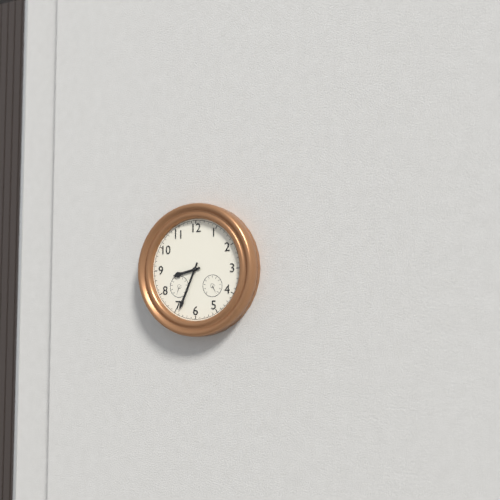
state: 8:34
